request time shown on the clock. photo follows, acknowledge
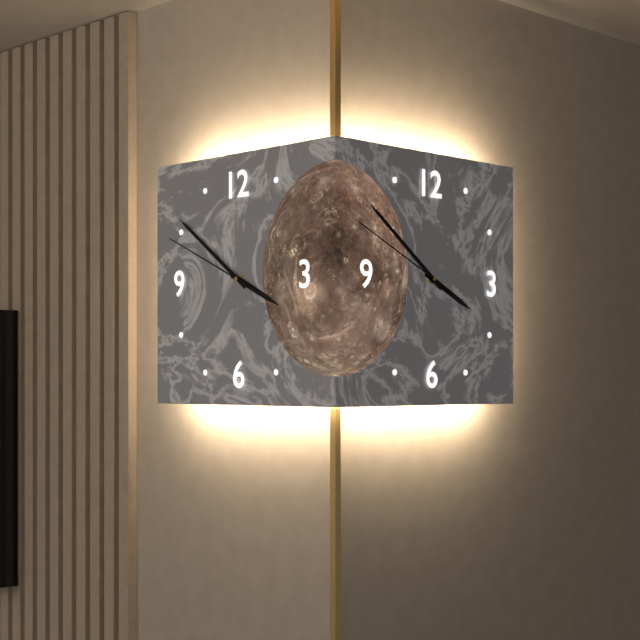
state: 3:51:49
